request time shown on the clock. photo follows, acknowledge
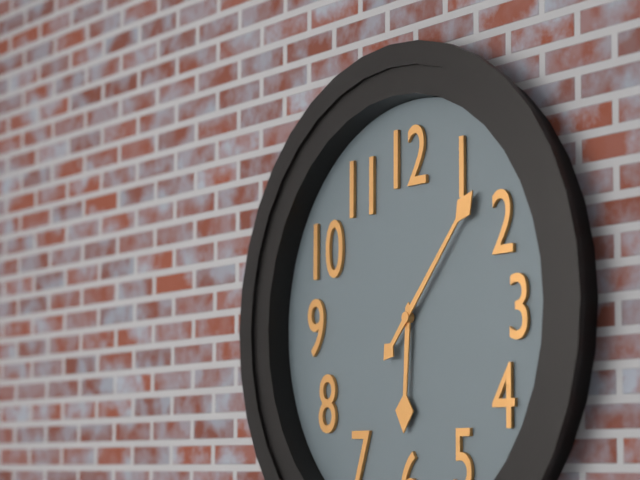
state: 6:07
